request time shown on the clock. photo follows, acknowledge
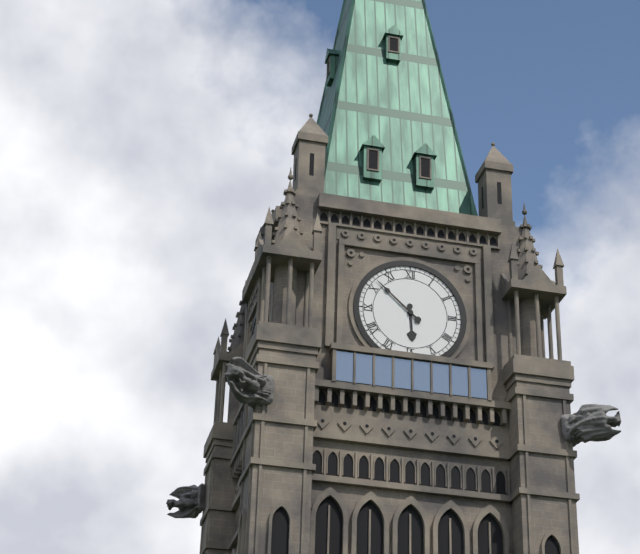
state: 5:52
